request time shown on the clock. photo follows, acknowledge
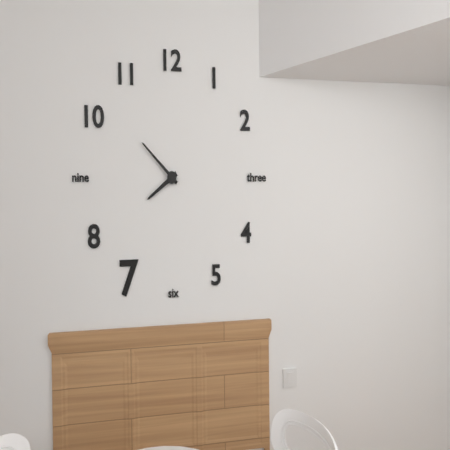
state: 7:52
